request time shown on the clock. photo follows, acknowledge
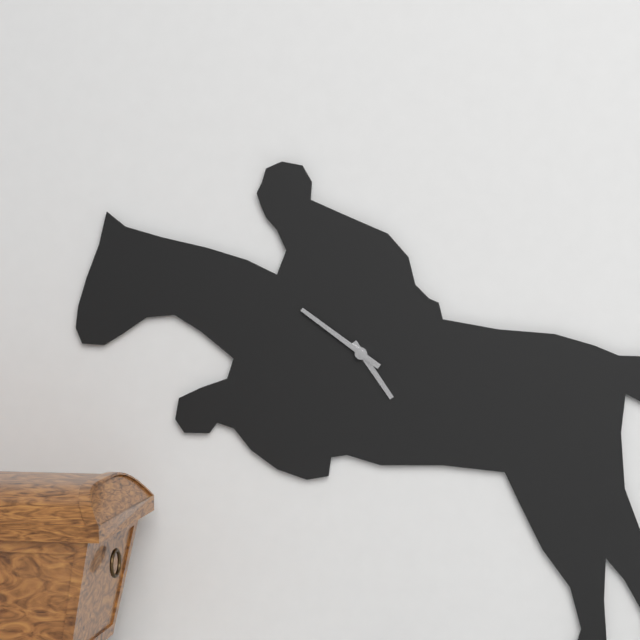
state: 4:51
